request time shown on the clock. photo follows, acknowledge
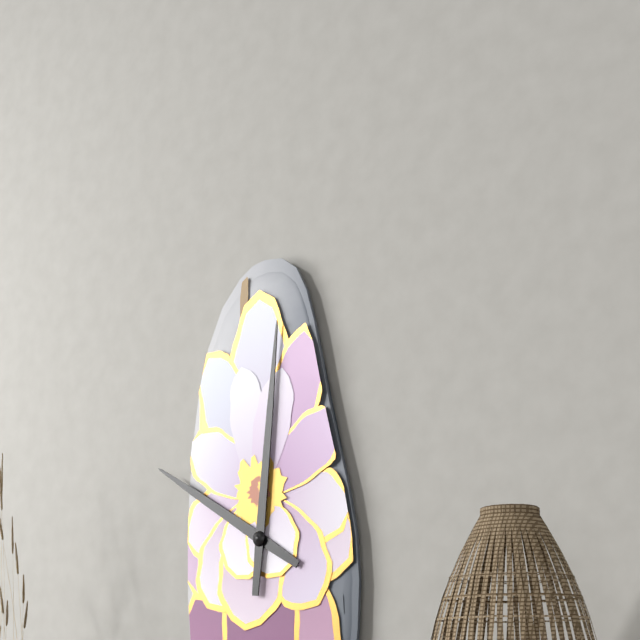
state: 10:01
